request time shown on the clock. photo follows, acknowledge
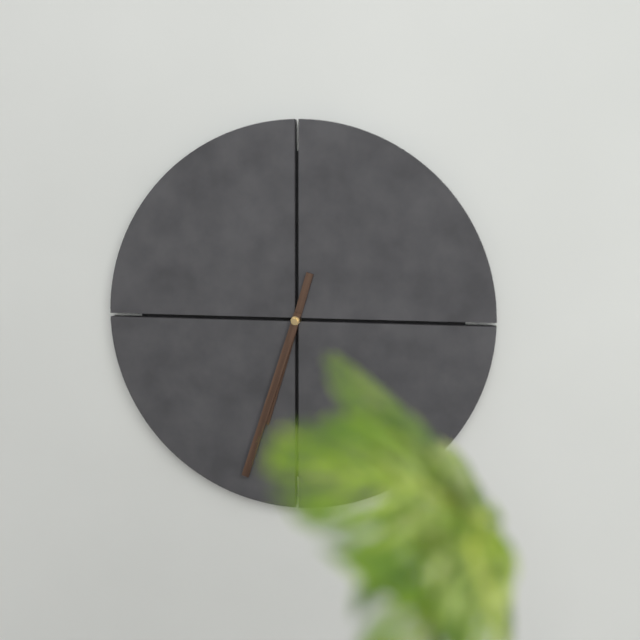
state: 6:33
